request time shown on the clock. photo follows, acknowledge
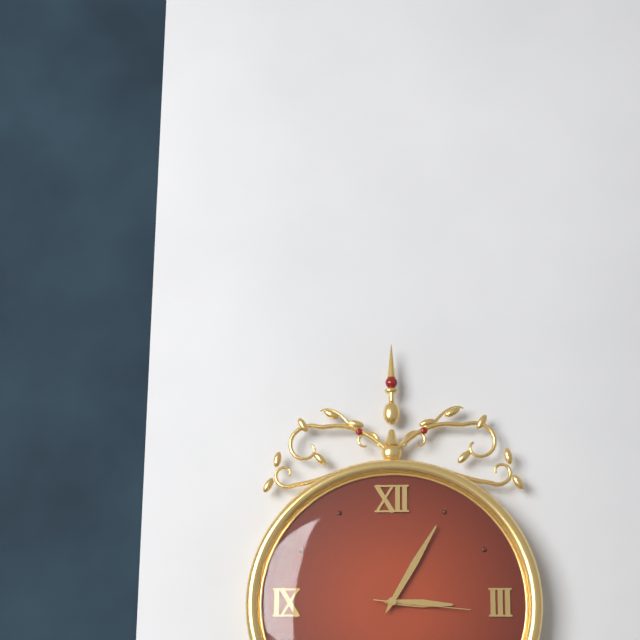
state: 3:05:16
